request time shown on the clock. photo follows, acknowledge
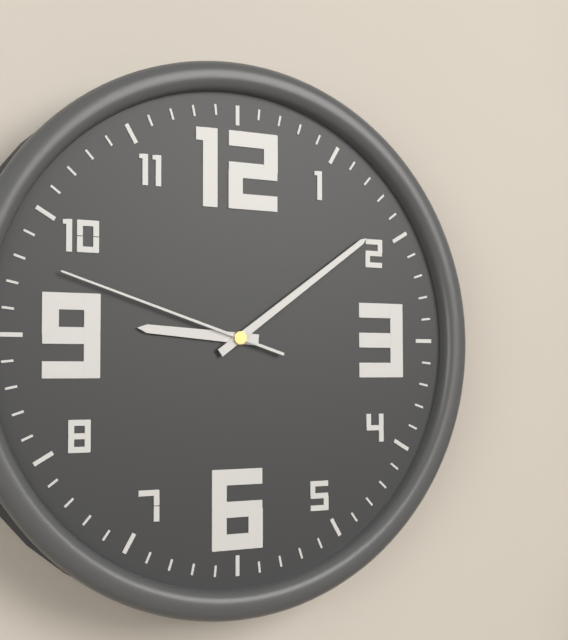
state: 9:09:48
